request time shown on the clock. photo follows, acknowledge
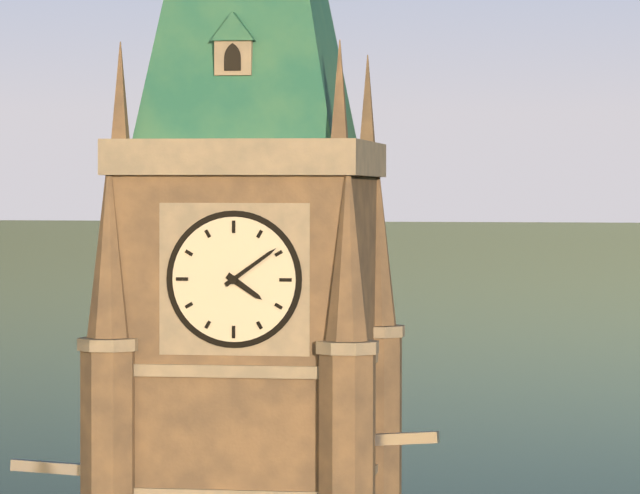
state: 4:09
